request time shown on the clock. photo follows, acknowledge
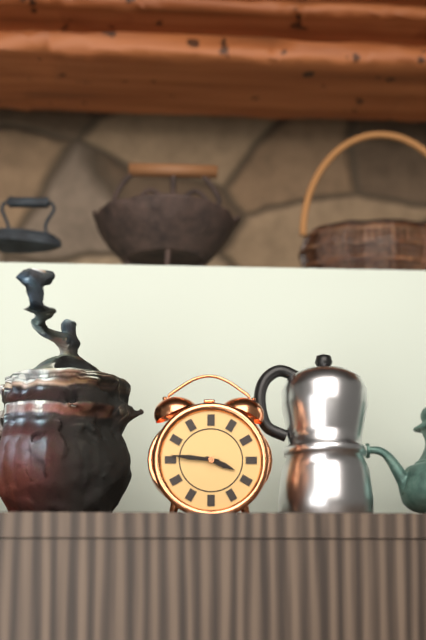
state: 3:46
